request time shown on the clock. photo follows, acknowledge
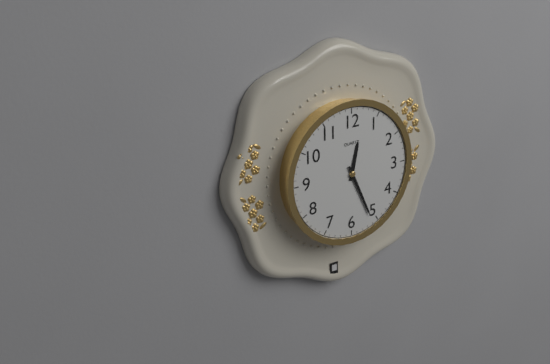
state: 12:26
